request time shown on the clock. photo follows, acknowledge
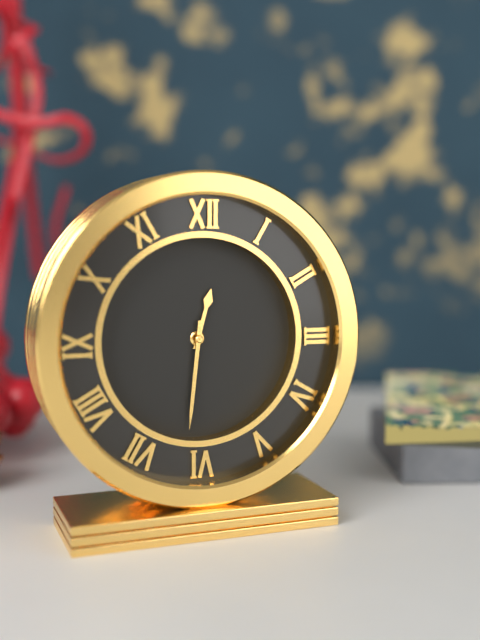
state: 12:31
